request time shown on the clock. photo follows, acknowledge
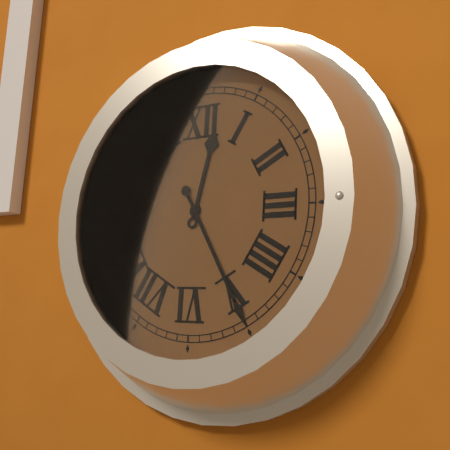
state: 12:25
